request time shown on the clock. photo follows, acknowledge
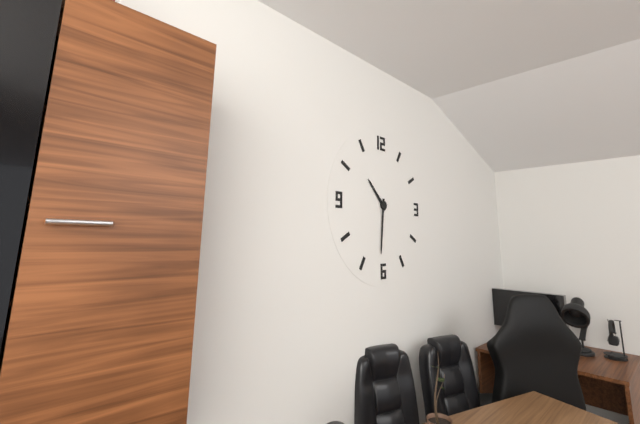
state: 10:31
